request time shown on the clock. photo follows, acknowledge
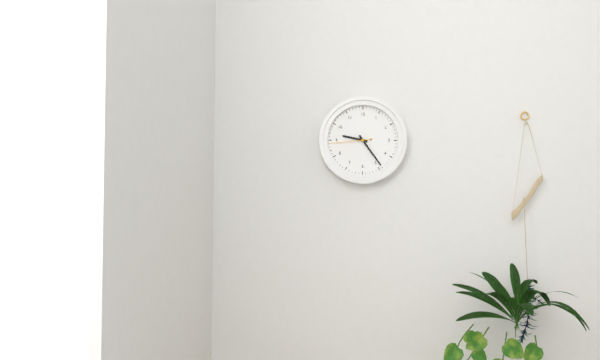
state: 9:24
